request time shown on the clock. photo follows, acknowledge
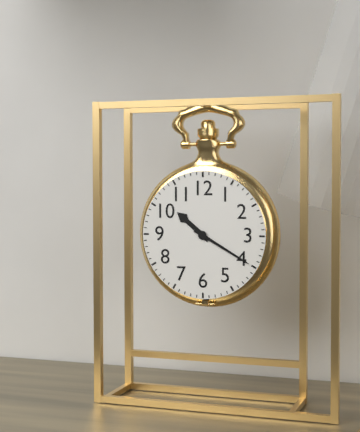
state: 10:20
